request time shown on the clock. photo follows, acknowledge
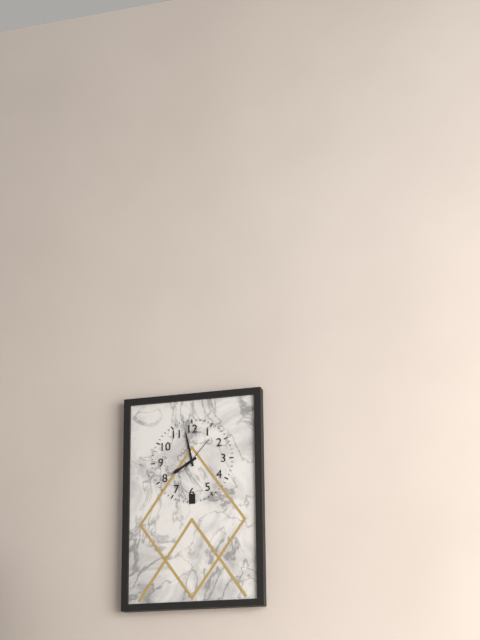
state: 7:58
